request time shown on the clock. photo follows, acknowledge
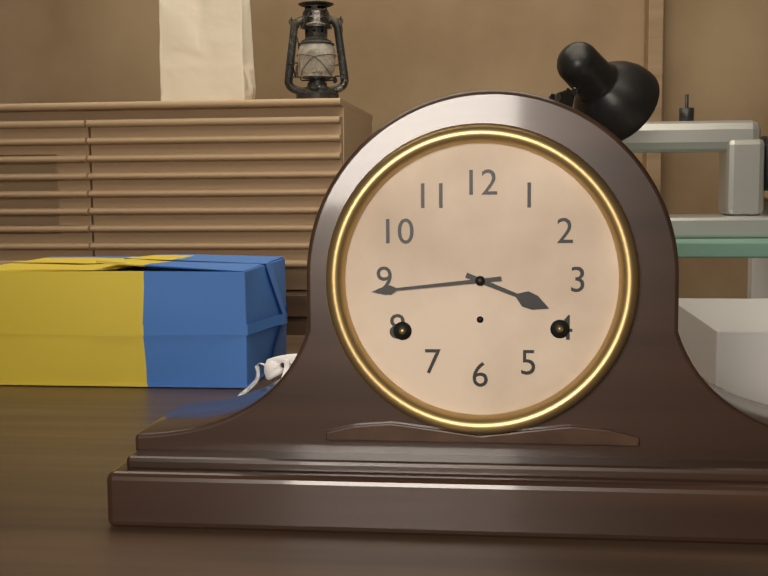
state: 3:44
